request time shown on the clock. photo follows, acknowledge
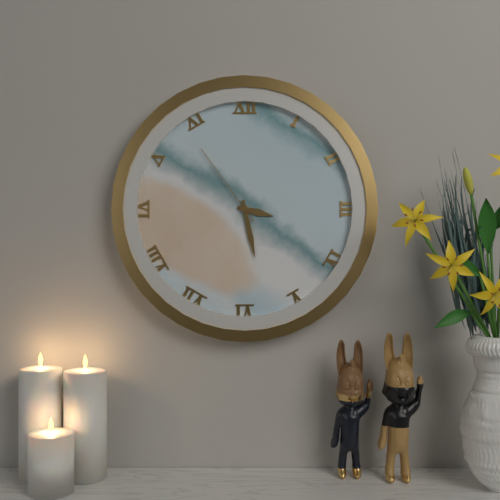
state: 3:28:54
